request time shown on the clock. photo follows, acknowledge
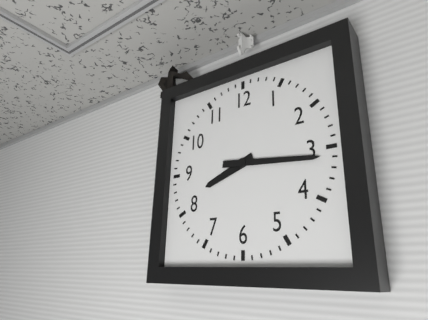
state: 8:16
